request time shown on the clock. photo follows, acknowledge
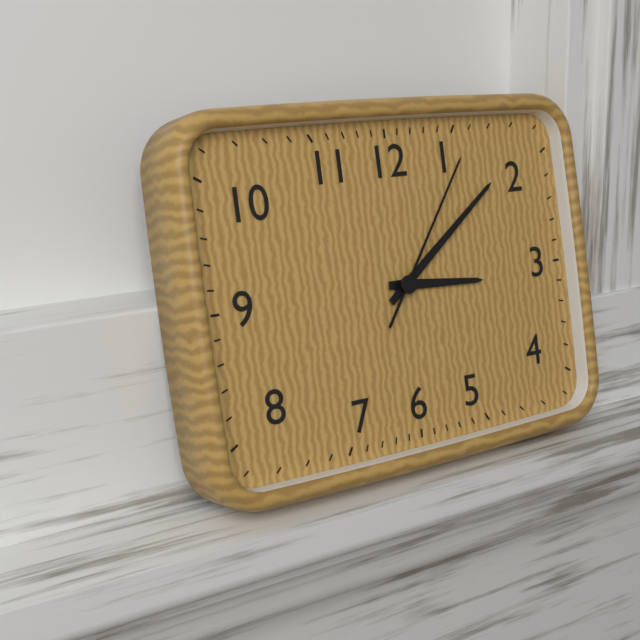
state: 3:09:06
